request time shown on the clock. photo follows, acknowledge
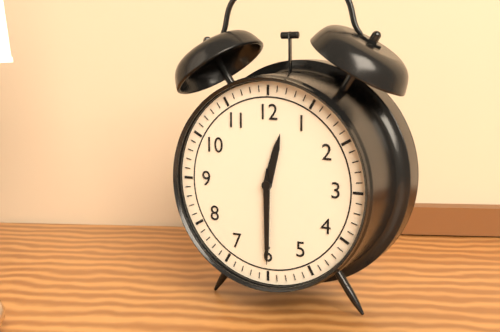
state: 12:30
